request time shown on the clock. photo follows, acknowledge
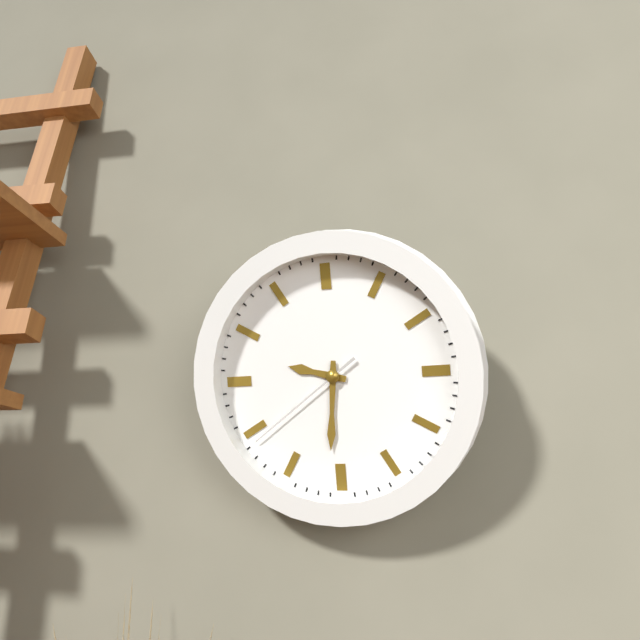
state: 9:31:39
